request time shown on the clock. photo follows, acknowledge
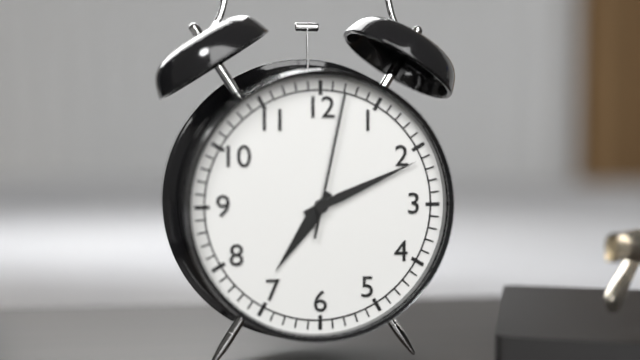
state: 7:11:02
